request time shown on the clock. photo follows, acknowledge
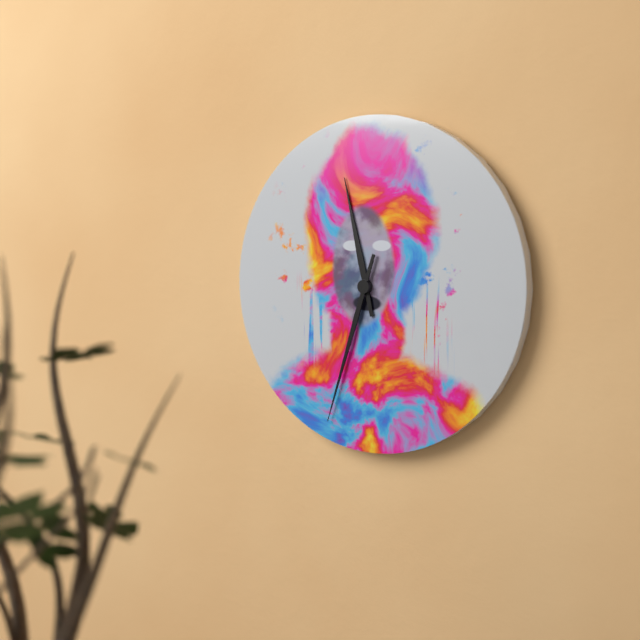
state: 11:33
